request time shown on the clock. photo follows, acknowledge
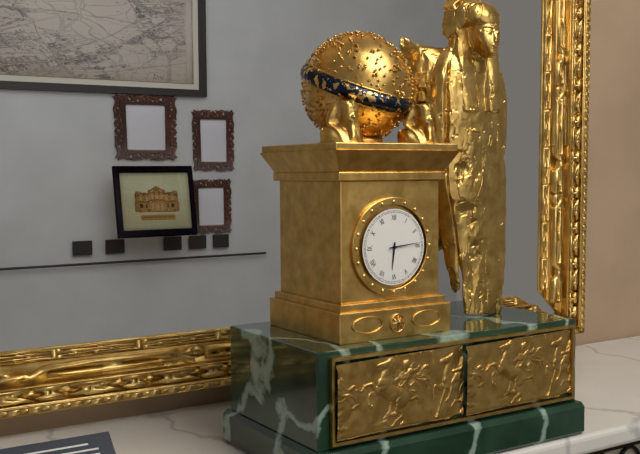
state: 6:14
